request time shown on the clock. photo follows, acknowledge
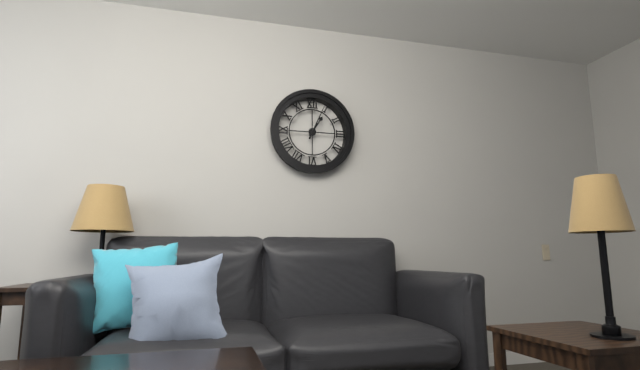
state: 1:04
